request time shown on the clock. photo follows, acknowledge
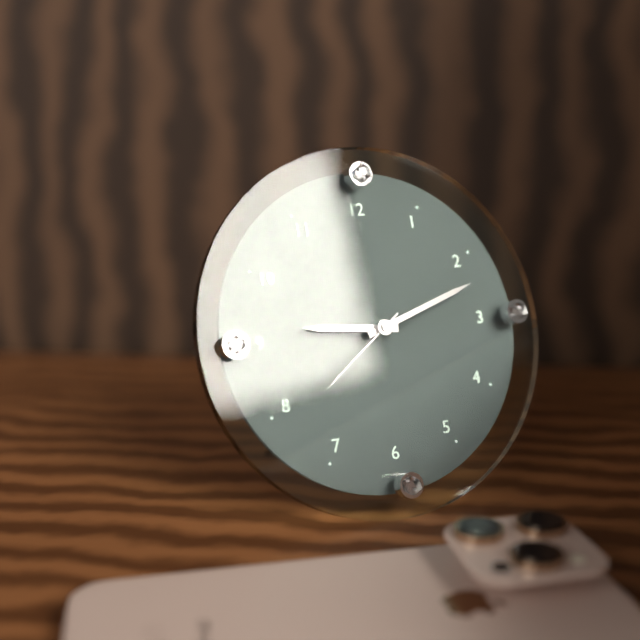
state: 9:12:39
